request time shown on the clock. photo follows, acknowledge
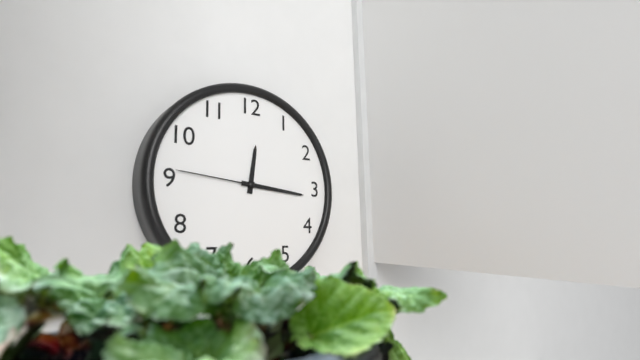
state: 12:16:46
